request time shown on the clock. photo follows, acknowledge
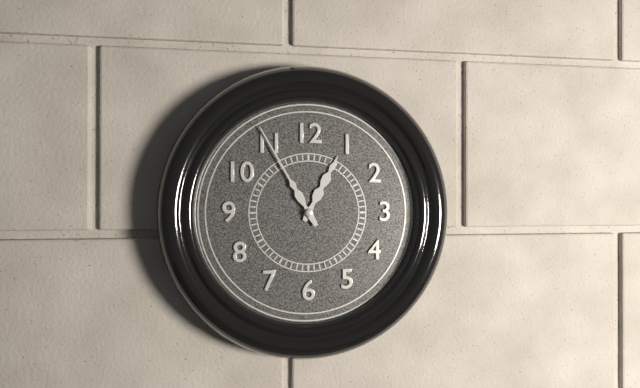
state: 12:55
